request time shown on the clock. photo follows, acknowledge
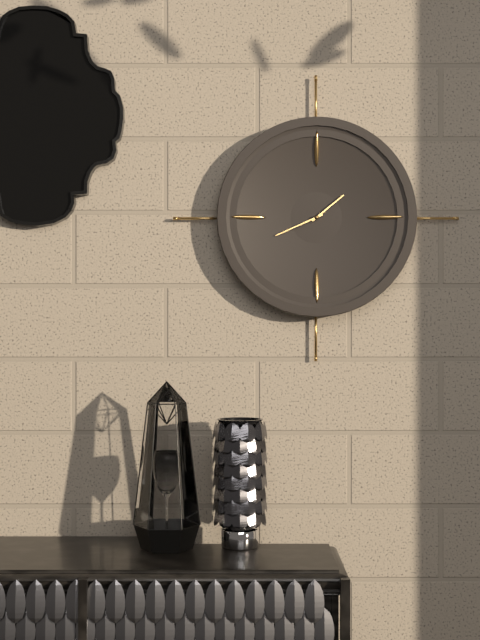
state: 1:41
